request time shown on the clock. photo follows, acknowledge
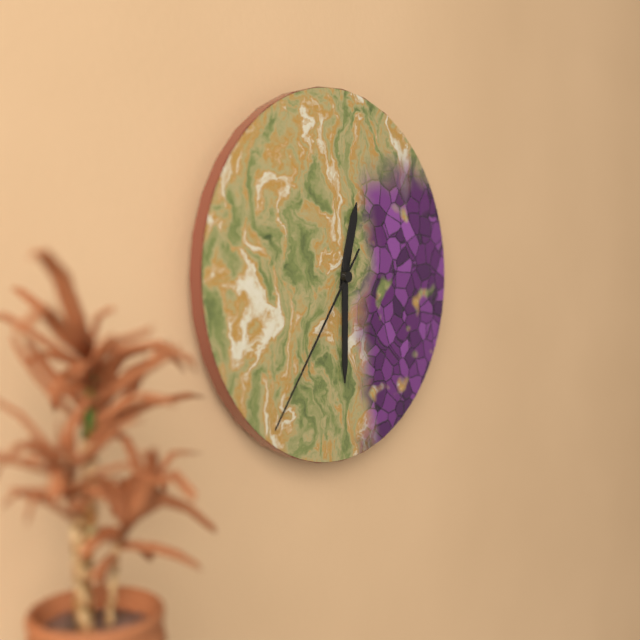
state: 12:30:36
